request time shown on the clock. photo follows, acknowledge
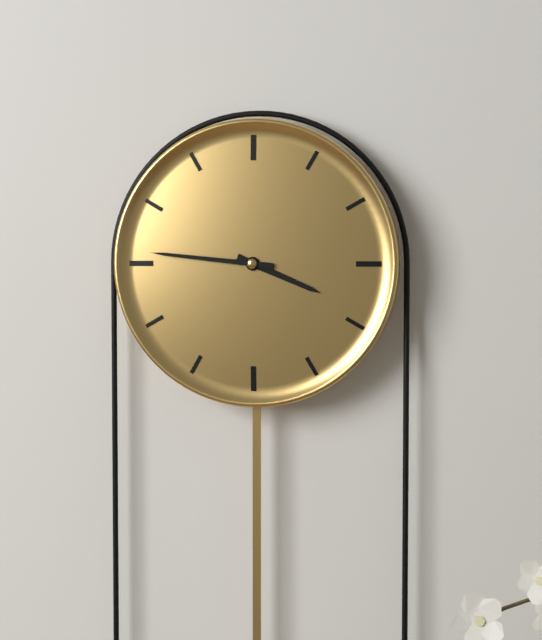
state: 3:46
